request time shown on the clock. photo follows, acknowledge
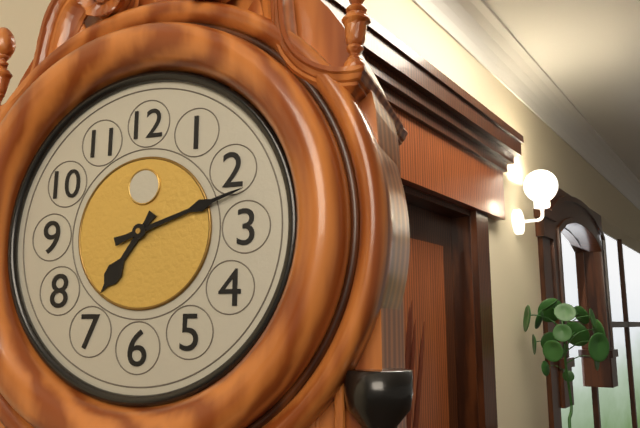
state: 7:12
